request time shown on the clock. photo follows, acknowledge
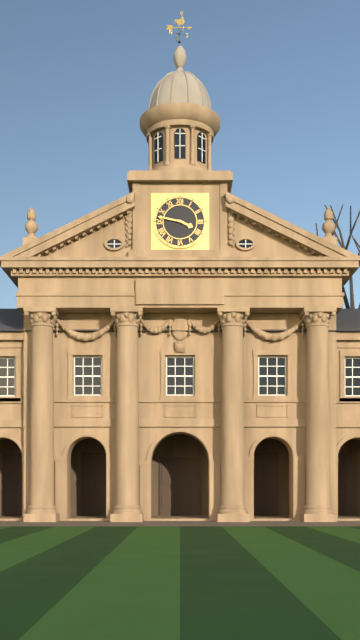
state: 3:47
